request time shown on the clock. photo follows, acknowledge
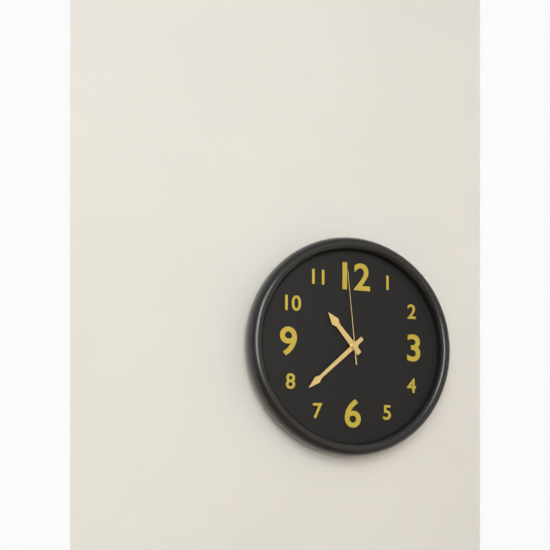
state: 10:38:59
